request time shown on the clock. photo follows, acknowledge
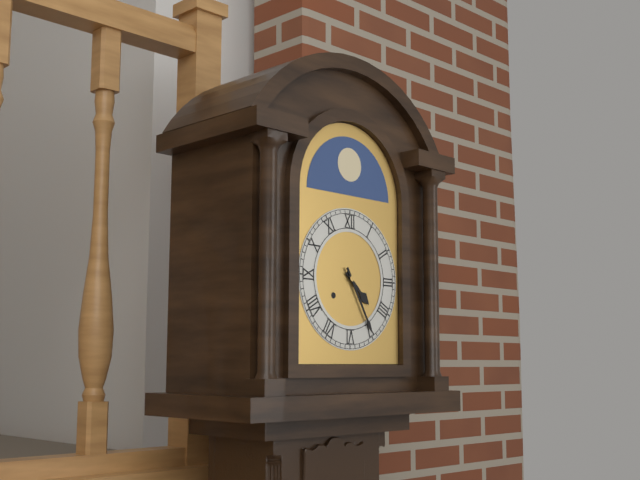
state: 4:25
